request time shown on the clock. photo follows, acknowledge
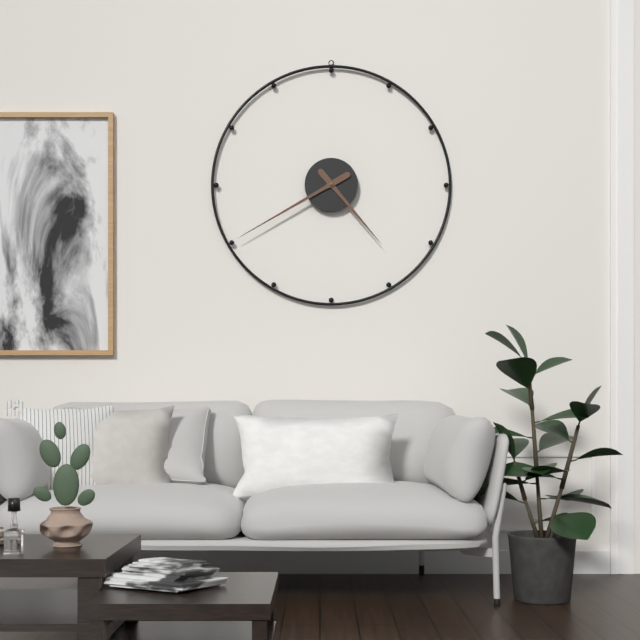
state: 4:40
